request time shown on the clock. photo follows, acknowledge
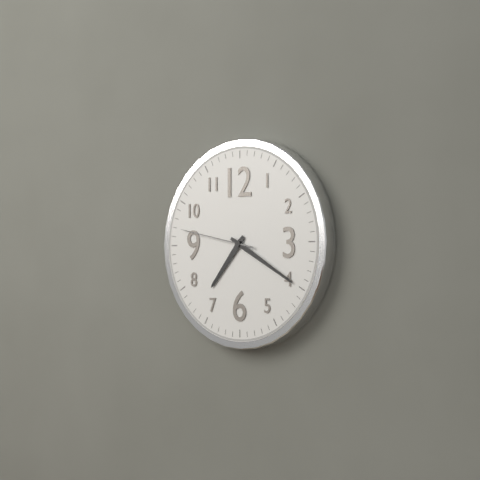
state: 7:20:47
